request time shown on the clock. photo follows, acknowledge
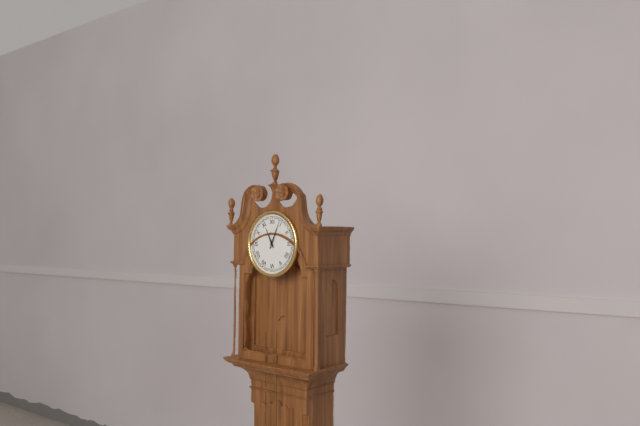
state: 11:04
